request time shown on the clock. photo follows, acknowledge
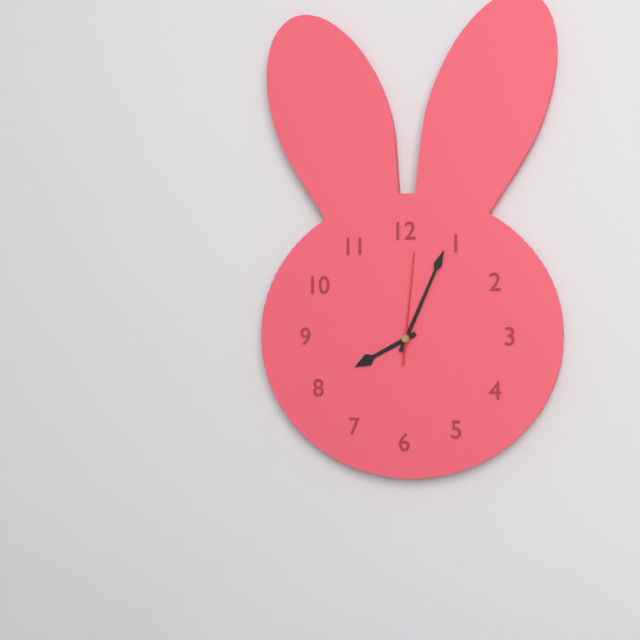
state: 8:04:01
